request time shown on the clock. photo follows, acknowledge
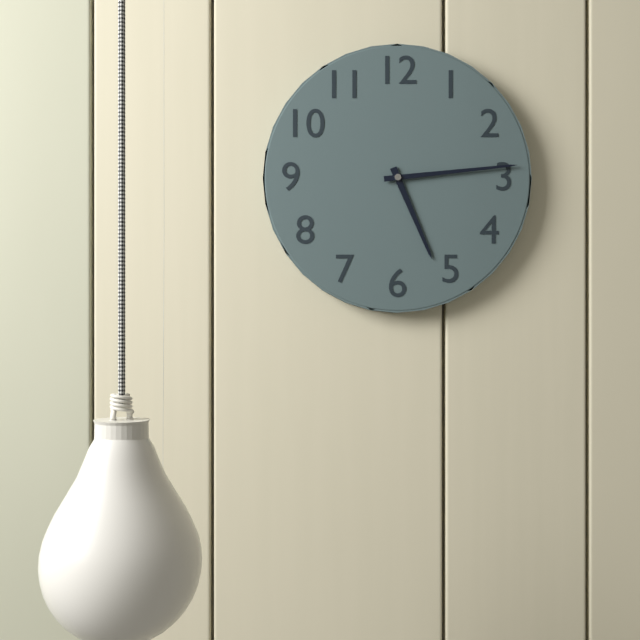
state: 5:14
